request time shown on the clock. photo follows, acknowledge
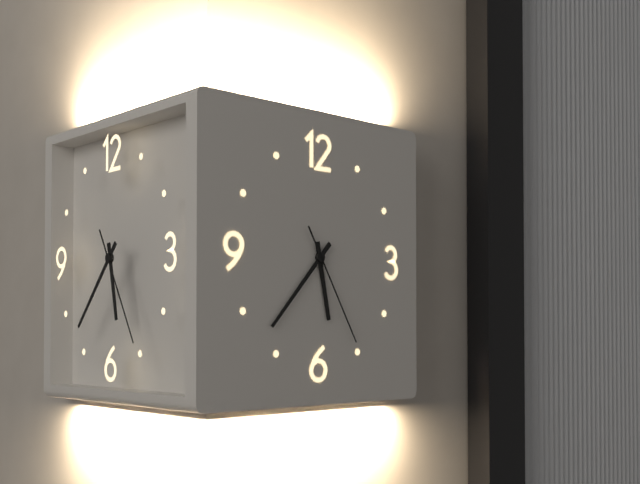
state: 5:37:25
